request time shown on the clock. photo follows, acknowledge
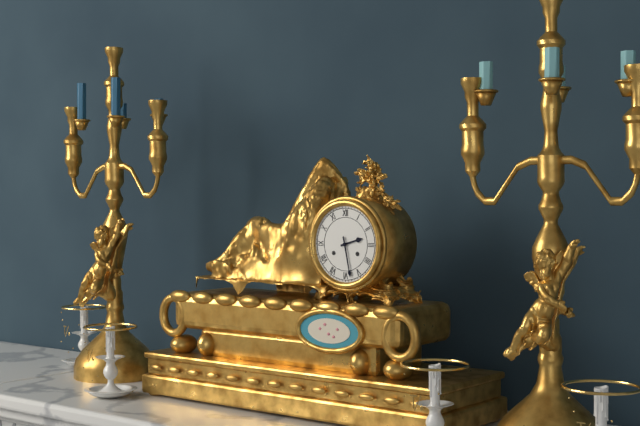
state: 2:28
